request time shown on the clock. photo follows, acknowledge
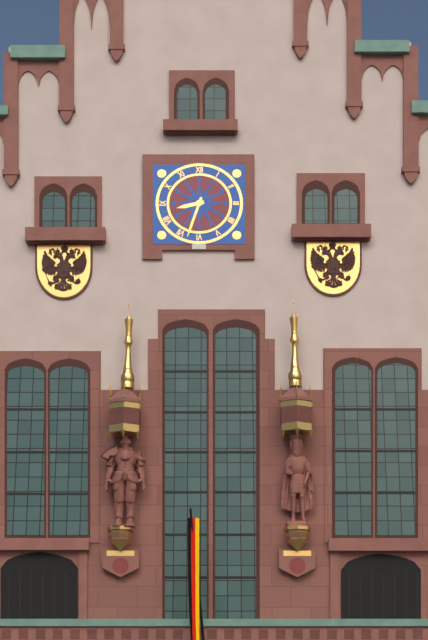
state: 8:33
